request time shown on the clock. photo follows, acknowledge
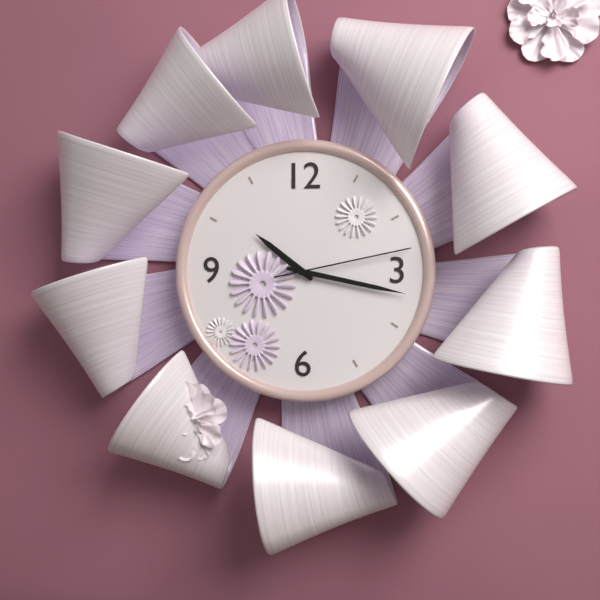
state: 10:17:13
